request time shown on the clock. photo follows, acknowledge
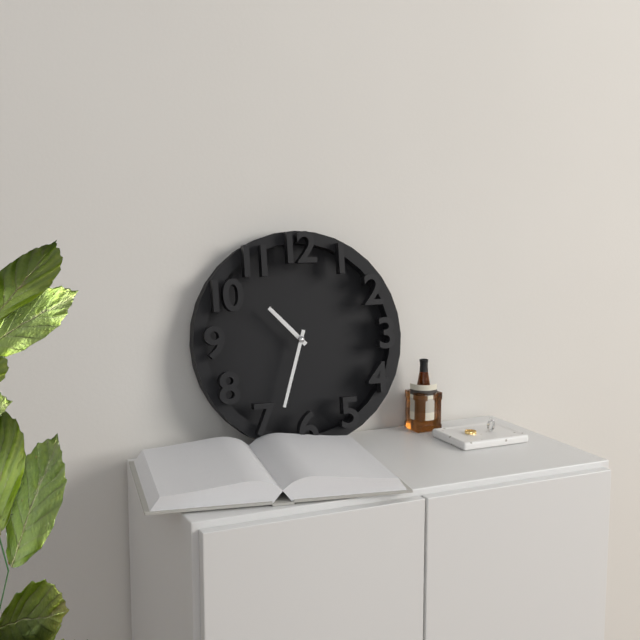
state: 10:33
